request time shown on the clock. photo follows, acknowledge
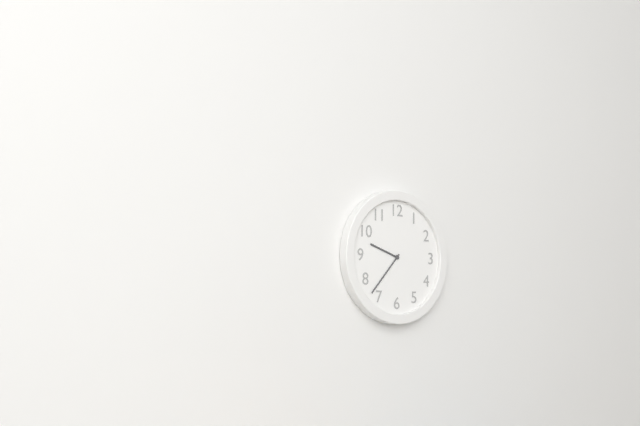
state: 9:37
